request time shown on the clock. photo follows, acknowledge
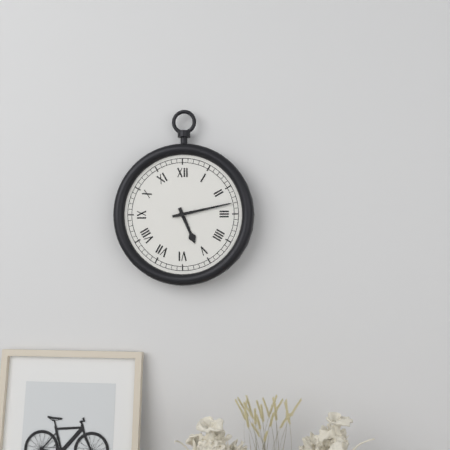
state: 5:13
